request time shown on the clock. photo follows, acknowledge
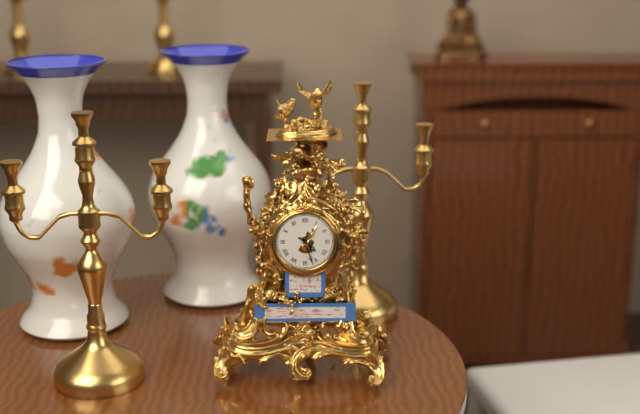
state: 4:27
